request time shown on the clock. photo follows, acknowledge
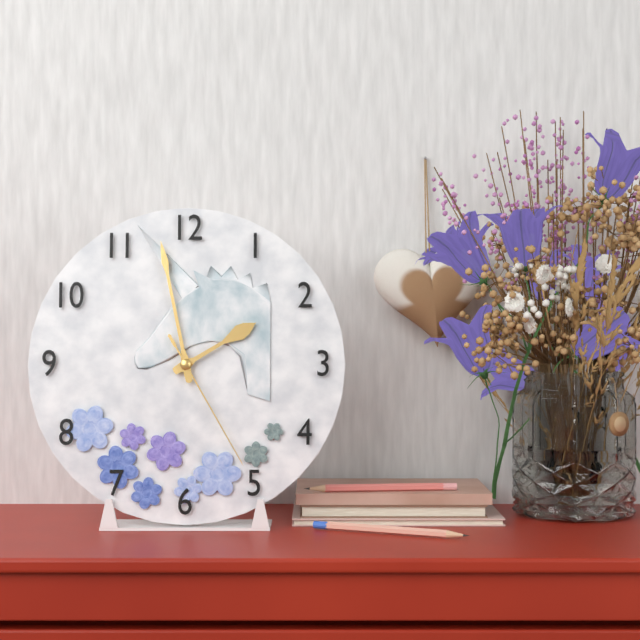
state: 1:58:25
